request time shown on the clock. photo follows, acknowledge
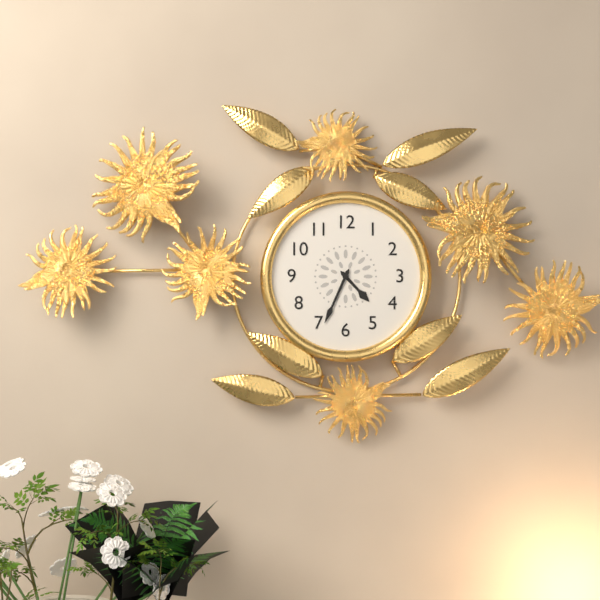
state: 4:34
